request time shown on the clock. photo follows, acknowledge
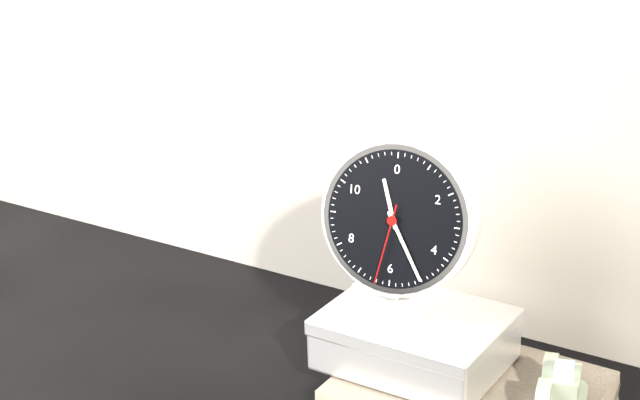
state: 11:25:32
